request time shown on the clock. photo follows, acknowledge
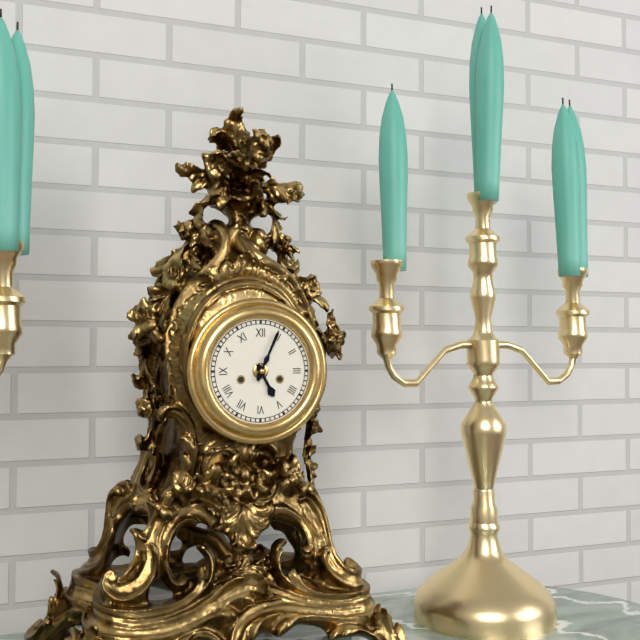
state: 5:04
